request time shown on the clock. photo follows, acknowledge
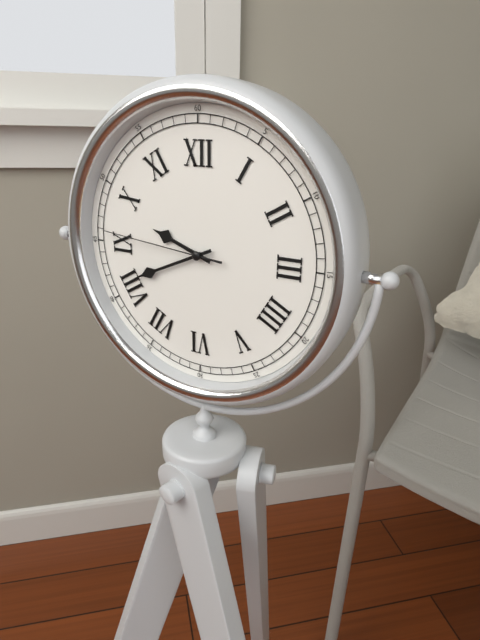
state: 9:41:46
